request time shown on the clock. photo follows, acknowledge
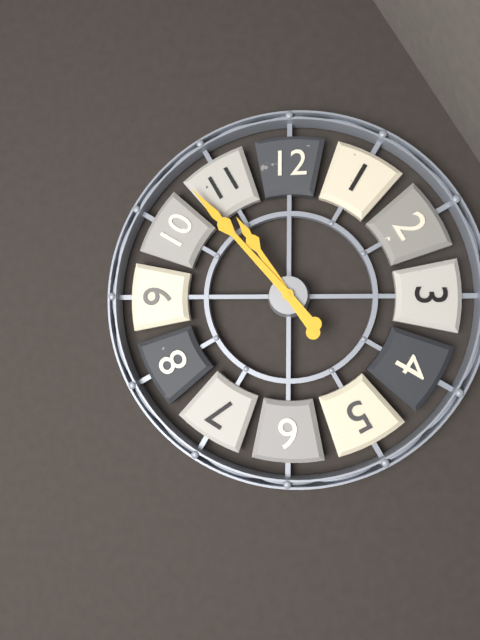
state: 10:53
